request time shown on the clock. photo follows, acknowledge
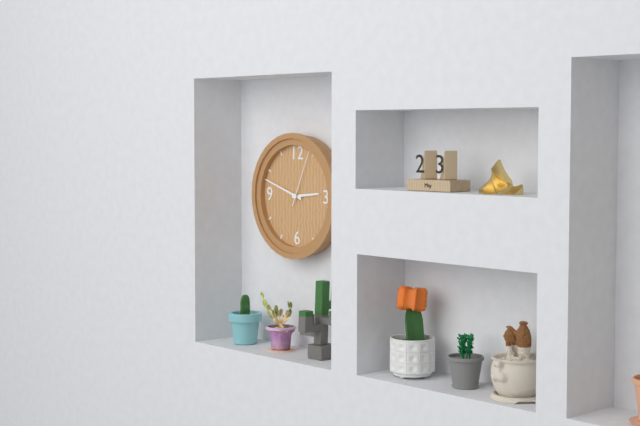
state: 2:48:04
